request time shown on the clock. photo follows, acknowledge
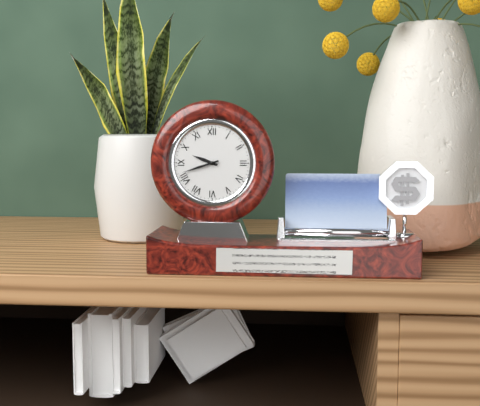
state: 9:42
